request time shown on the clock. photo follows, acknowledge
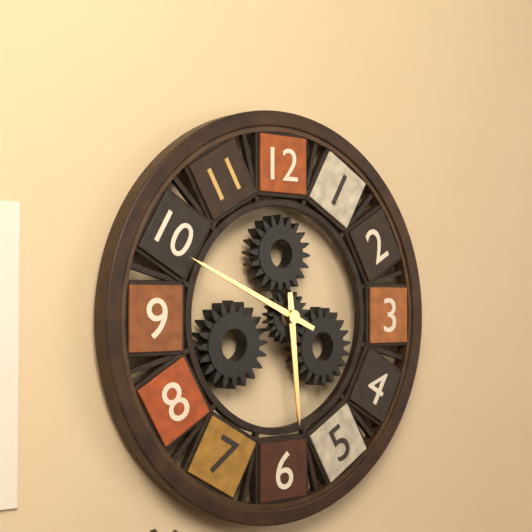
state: 5:49
